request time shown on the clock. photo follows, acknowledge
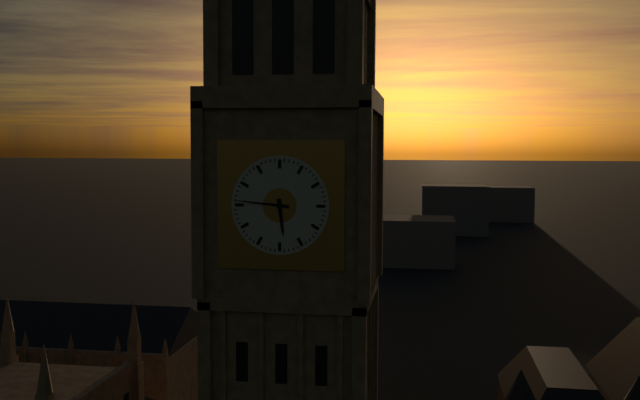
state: 5:46
